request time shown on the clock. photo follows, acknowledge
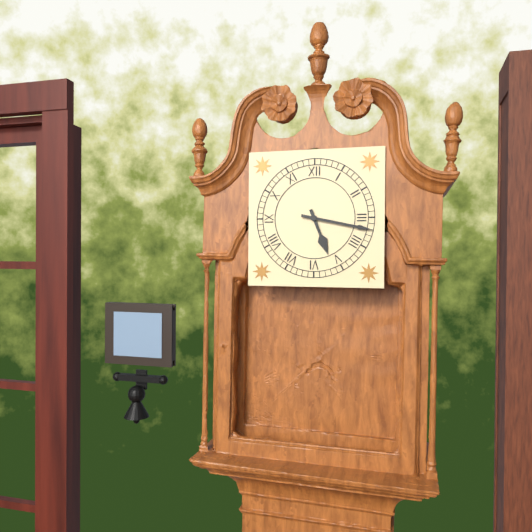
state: 5:17
